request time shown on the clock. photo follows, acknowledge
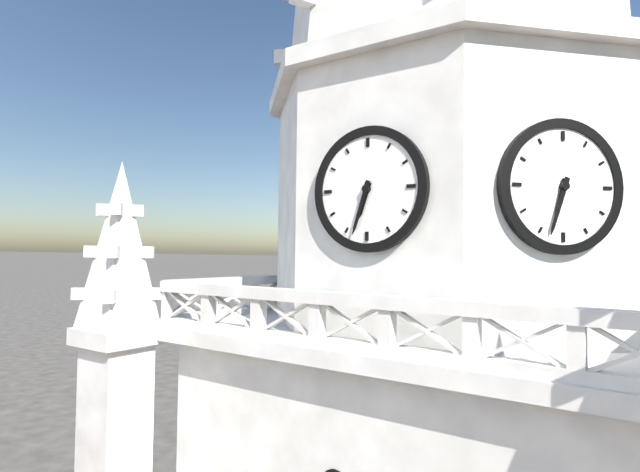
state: 6:33
